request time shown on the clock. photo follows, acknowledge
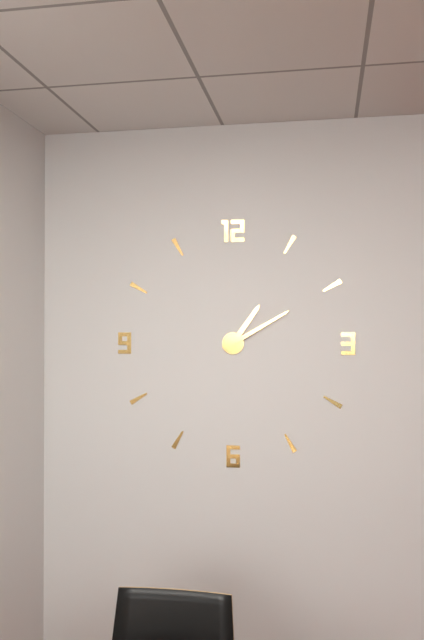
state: 1:10
